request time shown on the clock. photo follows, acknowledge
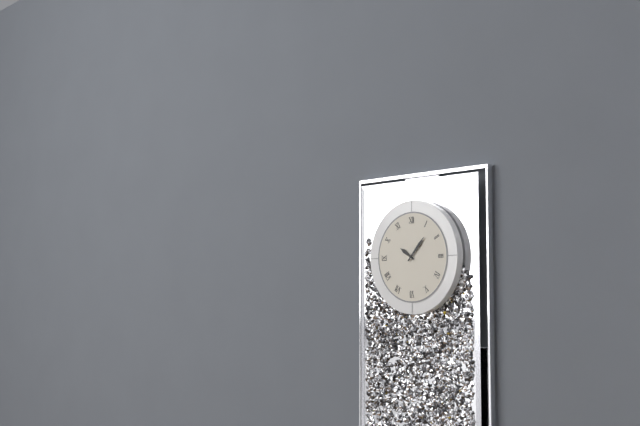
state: 10:07
